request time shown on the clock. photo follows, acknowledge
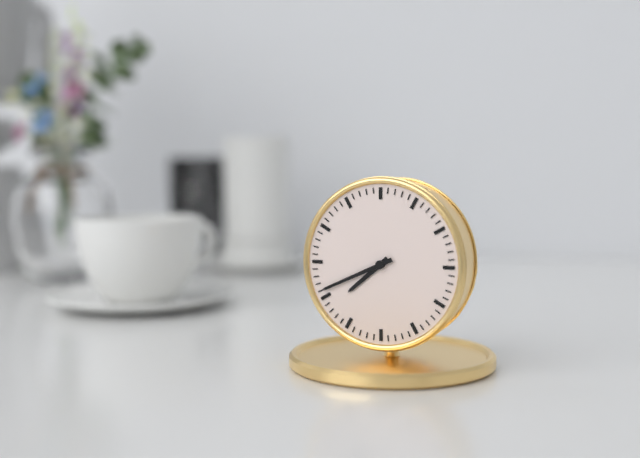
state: 7:41
